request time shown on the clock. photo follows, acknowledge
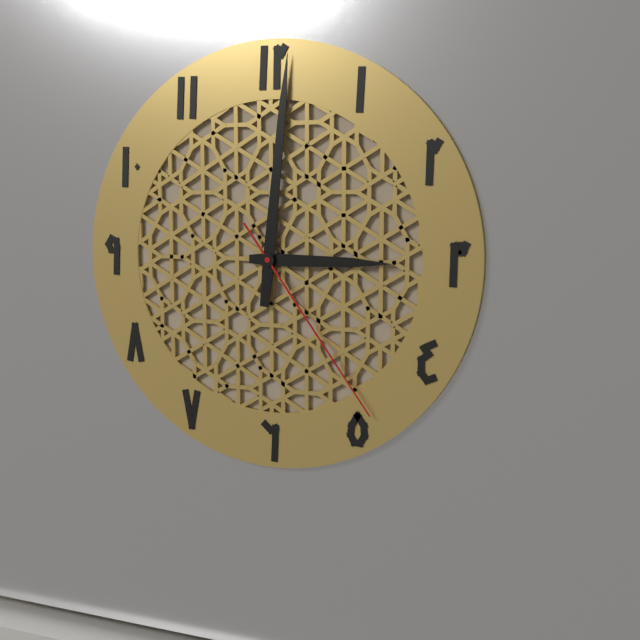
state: 3:01:24
